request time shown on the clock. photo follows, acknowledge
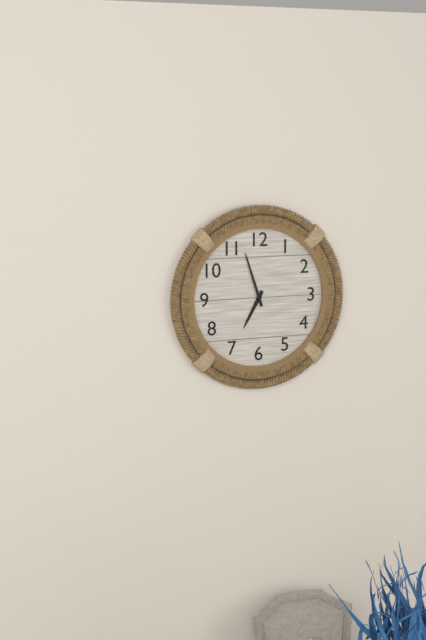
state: 6:57
